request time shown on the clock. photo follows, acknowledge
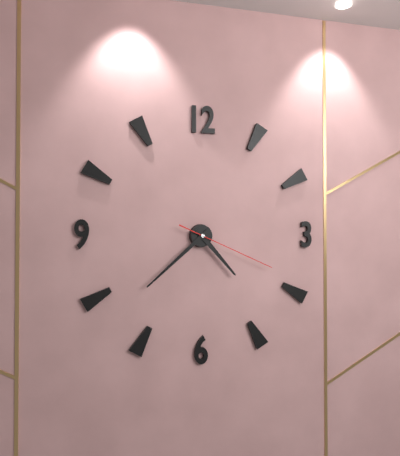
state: 4:38:19
